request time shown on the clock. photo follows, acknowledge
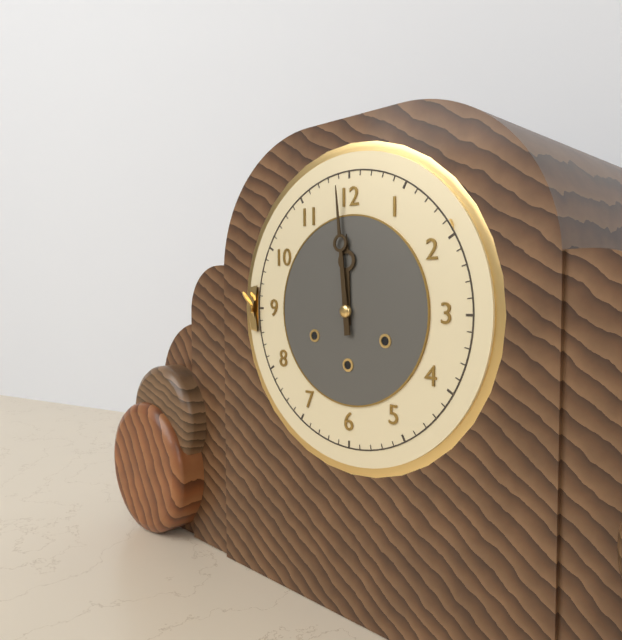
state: 11:59
